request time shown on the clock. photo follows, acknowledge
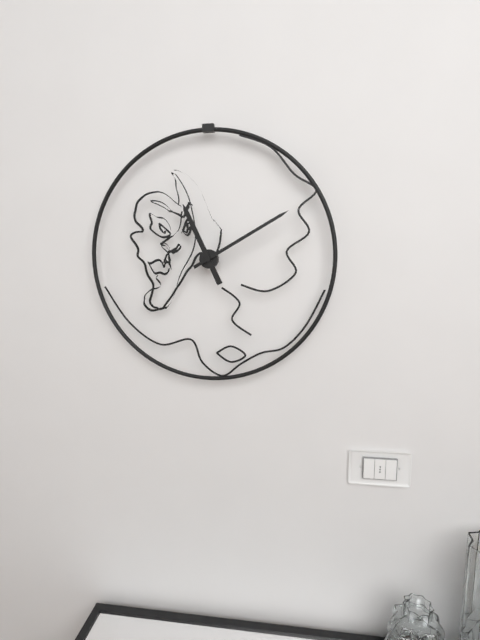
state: 11:10
